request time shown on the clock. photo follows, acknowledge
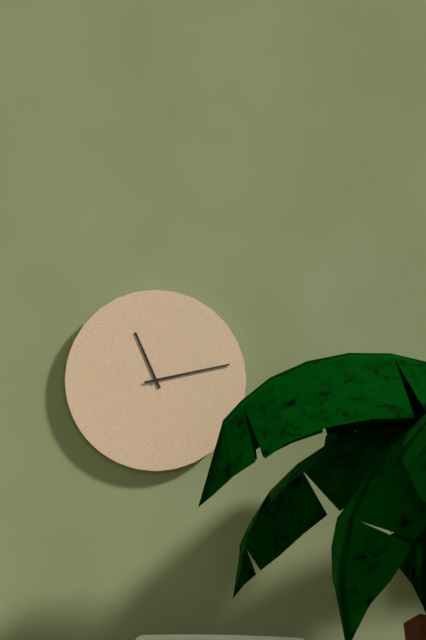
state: 11:13
